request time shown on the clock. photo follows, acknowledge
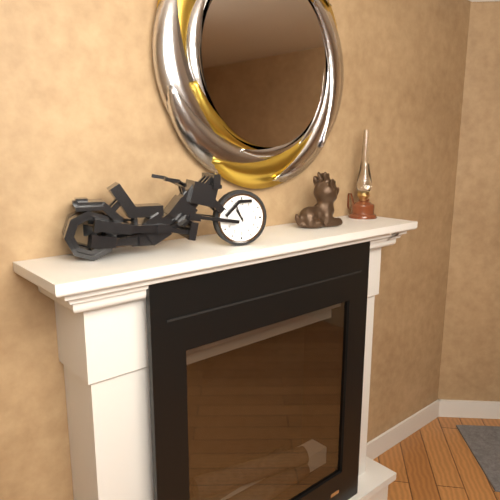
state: 10:56
